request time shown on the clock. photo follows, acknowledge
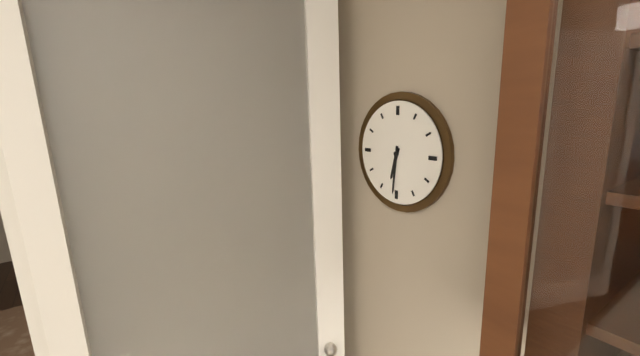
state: 6:31
